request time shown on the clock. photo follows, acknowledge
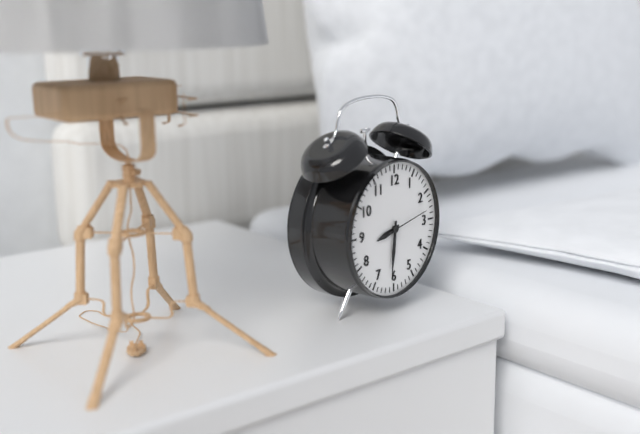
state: 8:31:13
